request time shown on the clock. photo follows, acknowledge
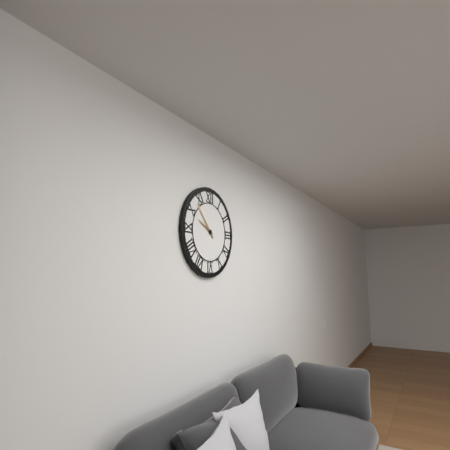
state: 9:53
